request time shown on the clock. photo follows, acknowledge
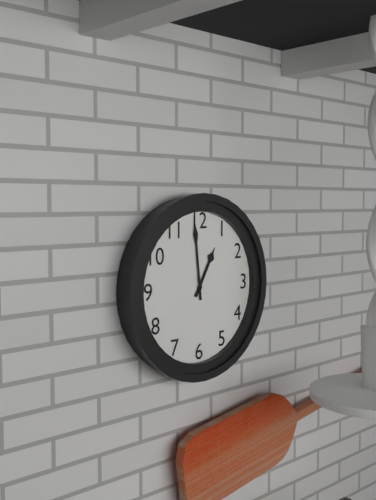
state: 12:59
